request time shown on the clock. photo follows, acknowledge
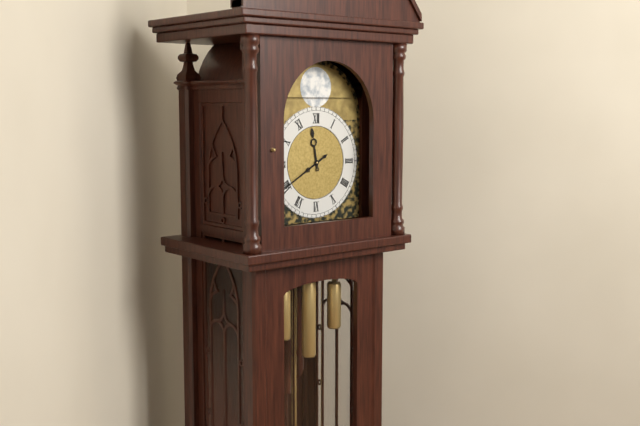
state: 11:40
